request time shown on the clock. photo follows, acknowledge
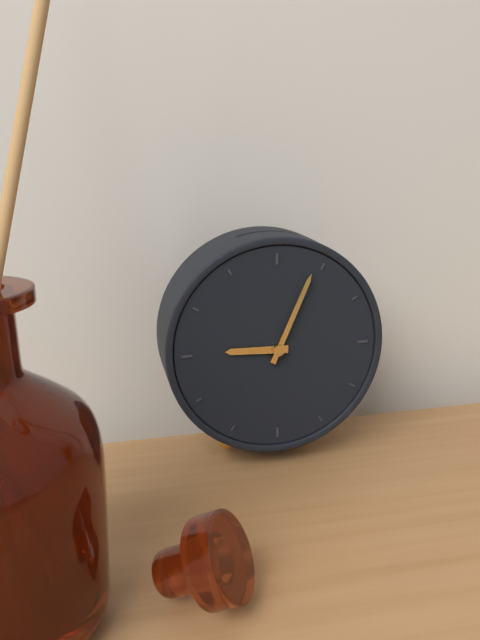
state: 9:04
